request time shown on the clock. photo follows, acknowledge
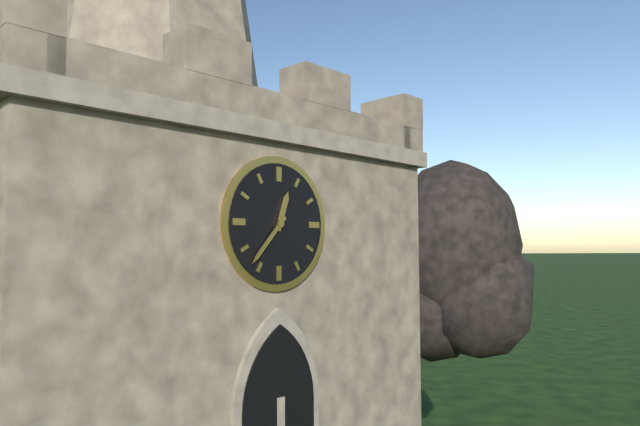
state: 12:37
